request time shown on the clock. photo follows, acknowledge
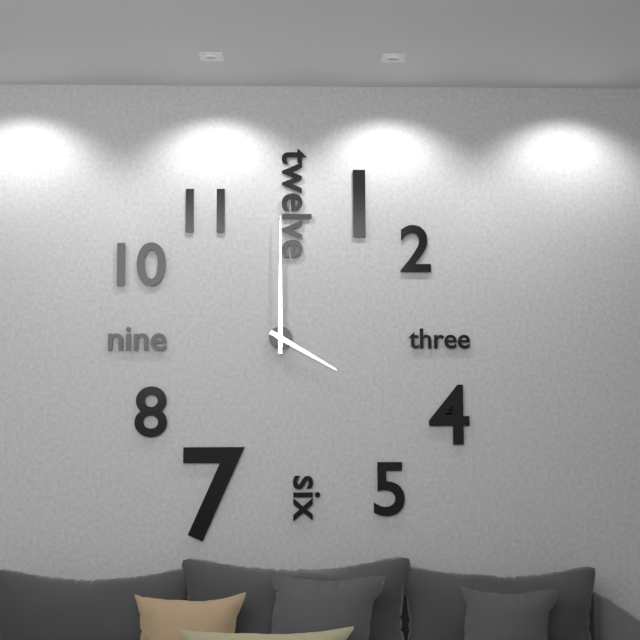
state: 4:00
